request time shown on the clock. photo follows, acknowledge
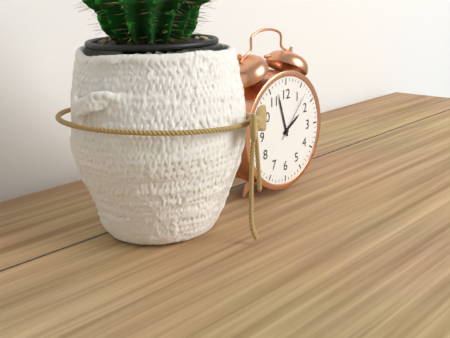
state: 1:57:07
